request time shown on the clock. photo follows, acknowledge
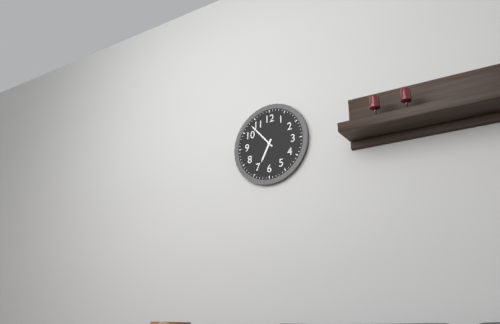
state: 6:53
